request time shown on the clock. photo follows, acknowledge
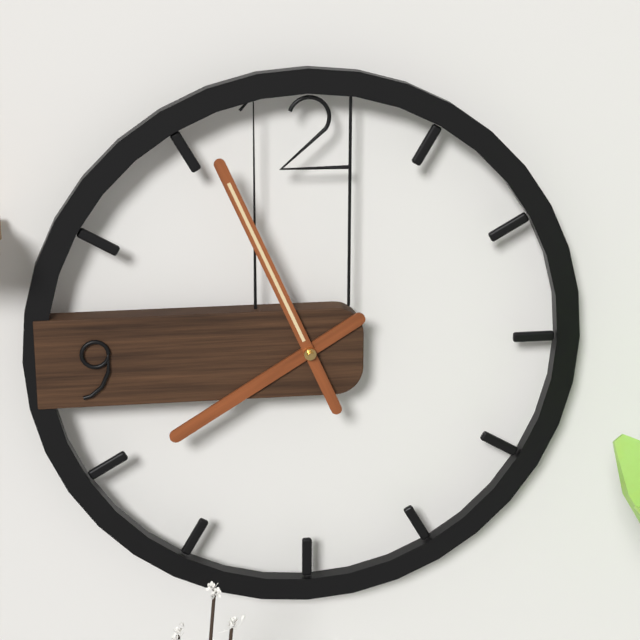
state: 7:56
